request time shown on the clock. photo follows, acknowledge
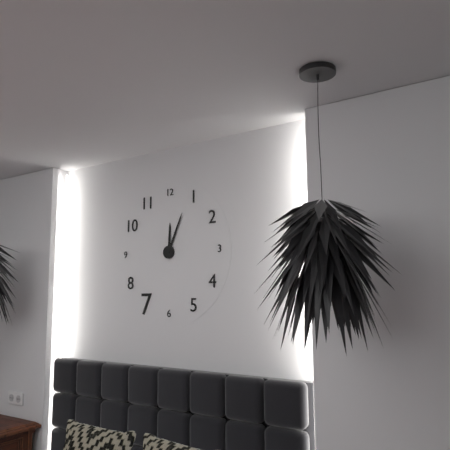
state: 12:04
